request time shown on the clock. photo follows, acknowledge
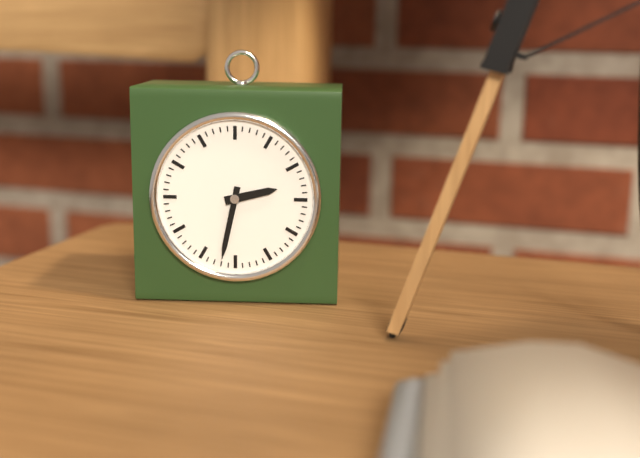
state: 2:32
